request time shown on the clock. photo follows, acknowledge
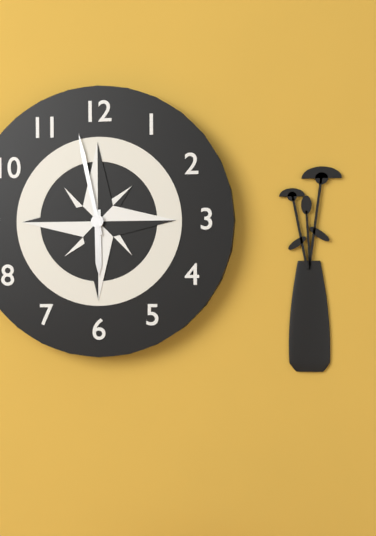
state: 5:58
